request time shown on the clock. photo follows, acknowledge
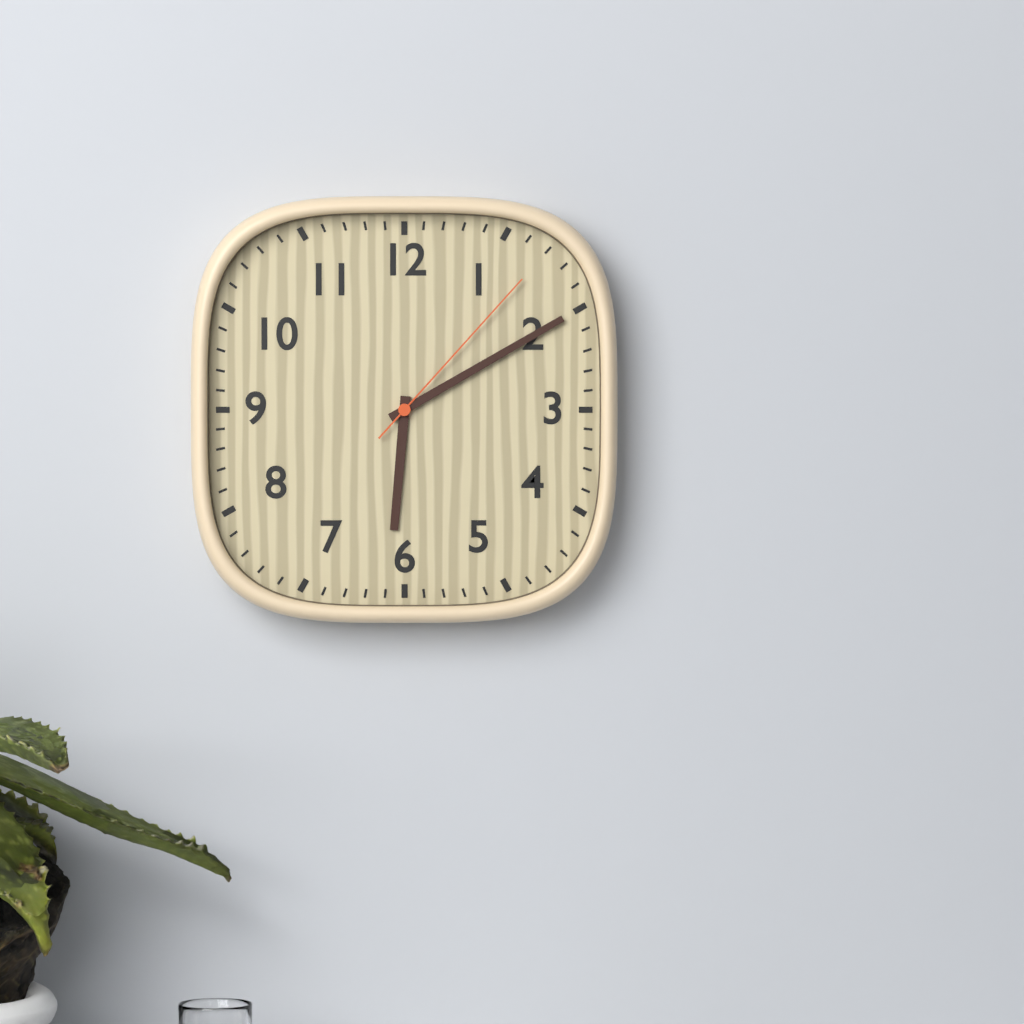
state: 6:10:07
